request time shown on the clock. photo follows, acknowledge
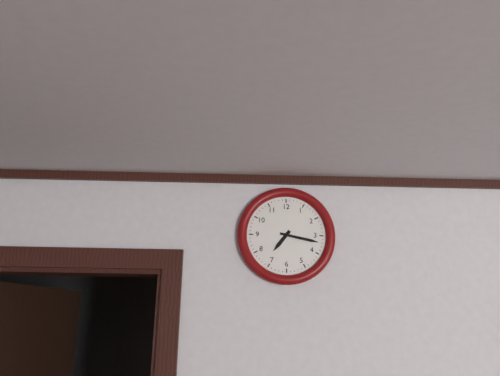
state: 7:17
